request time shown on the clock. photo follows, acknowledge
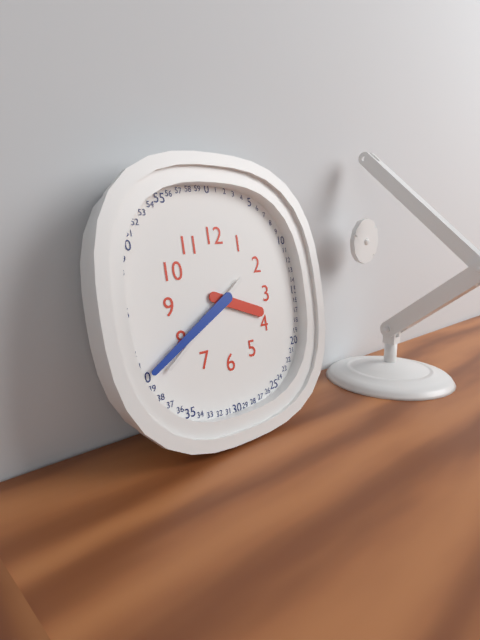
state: 3:40:39
